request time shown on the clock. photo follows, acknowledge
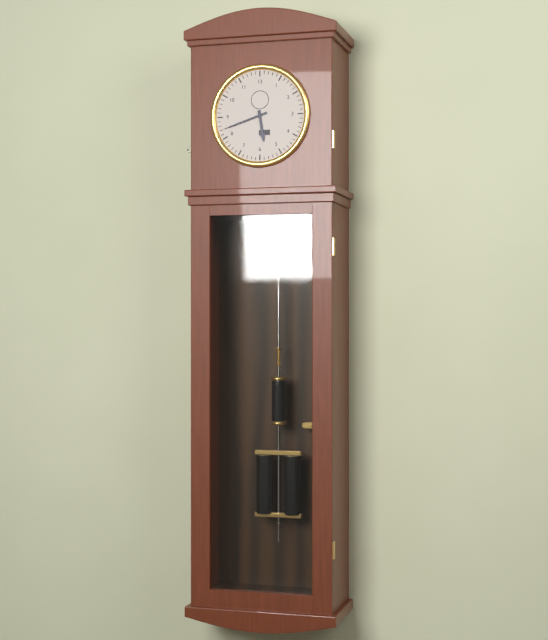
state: 5:42
